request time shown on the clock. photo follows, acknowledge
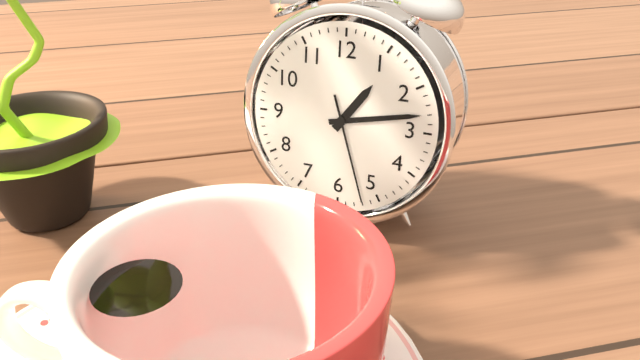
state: 1:13:27
